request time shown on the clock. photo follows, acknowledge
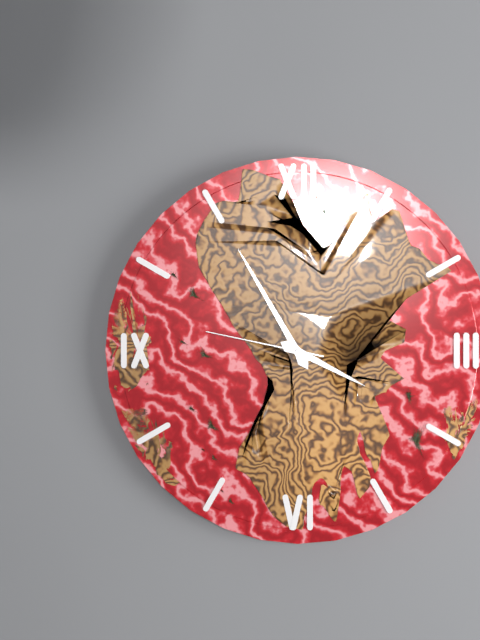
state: 3:55:47
